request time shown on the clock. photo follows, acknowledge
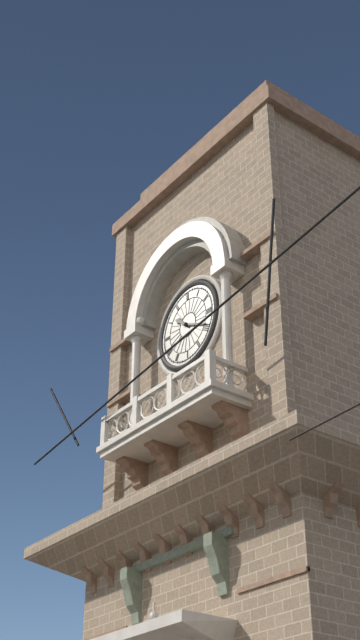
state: 10:19
